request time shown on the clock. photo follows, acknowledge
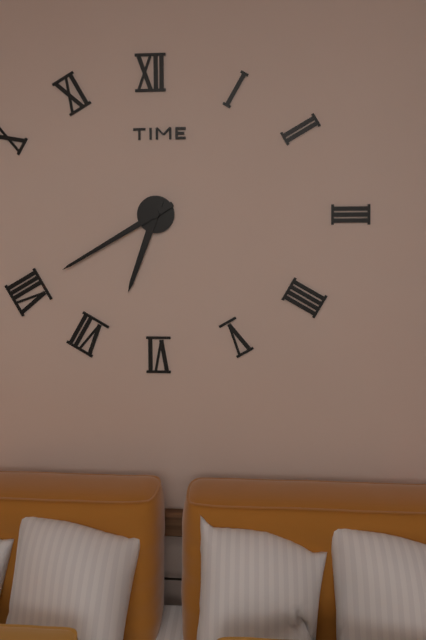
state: 6:40
